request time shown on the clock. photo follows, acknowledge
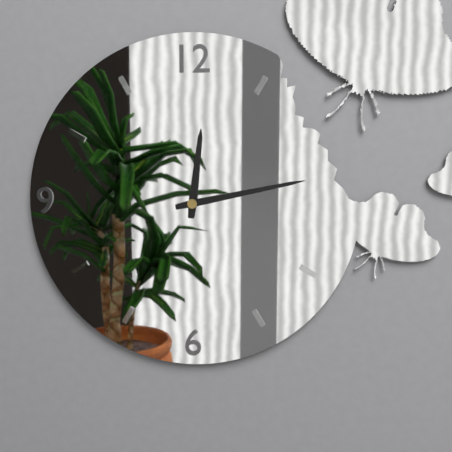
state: 12:13
